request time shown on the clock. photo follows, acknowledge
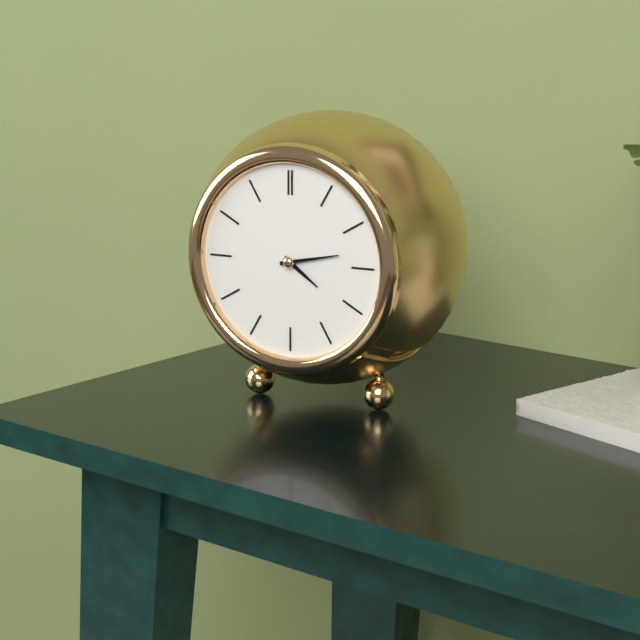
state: 4:13
